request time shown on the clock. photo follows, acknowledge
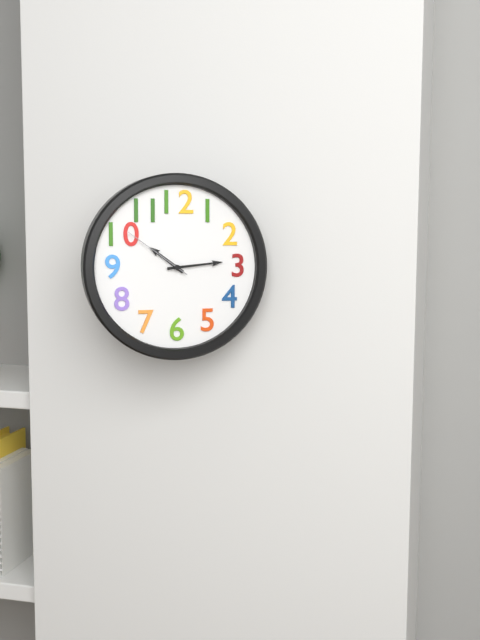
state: 10:14:51
